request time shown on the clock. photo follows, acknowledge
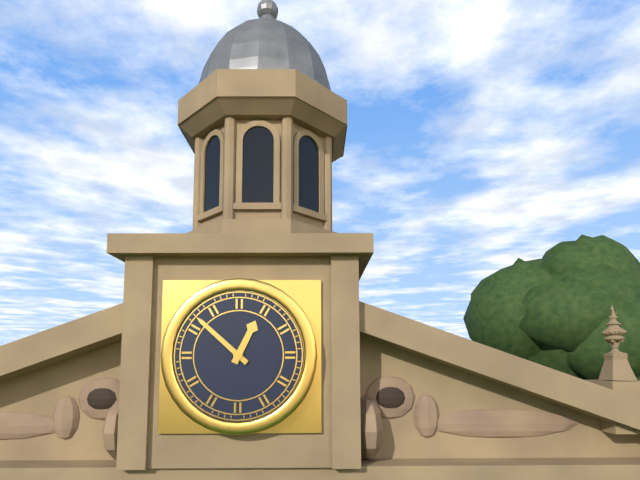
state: 12:52
